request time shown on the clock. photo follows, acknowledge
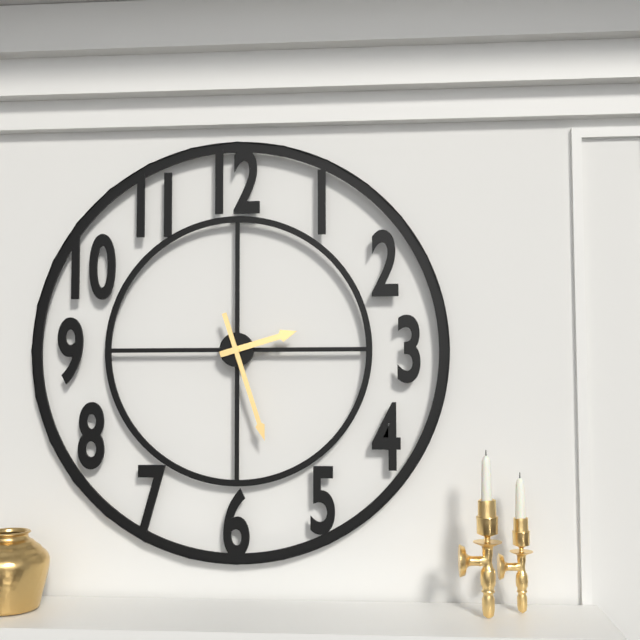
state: 2:27
